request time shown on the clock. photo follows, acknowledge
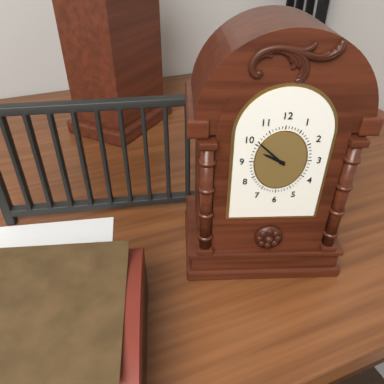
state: 9:52
